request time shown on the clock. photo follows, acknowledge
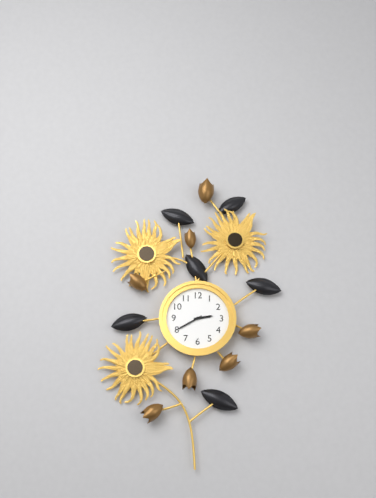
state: 2:40
